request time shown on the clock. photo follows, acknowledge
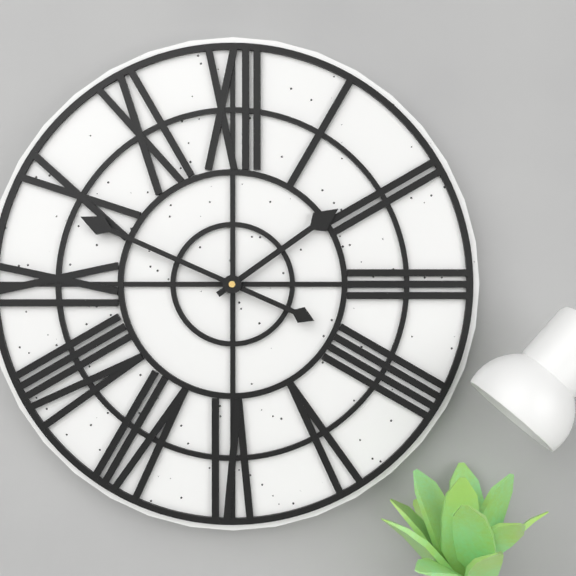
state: 1:49
